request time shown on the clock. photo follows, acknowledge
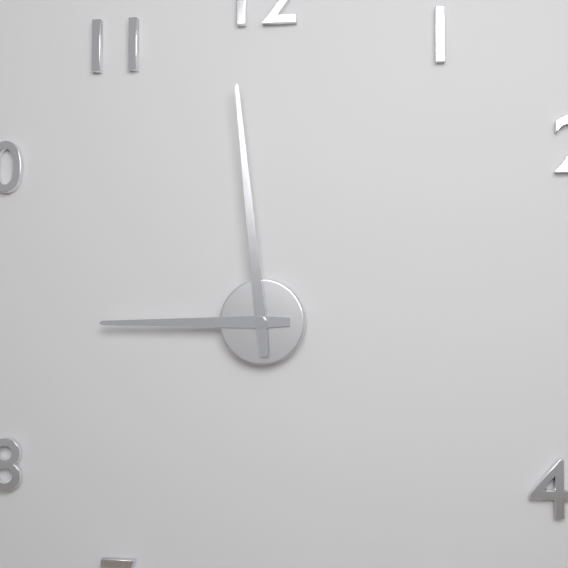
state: 8:59
